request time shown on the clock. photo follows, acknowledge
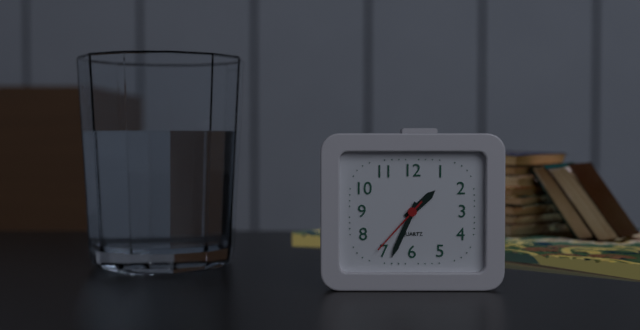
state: 1:34:37
